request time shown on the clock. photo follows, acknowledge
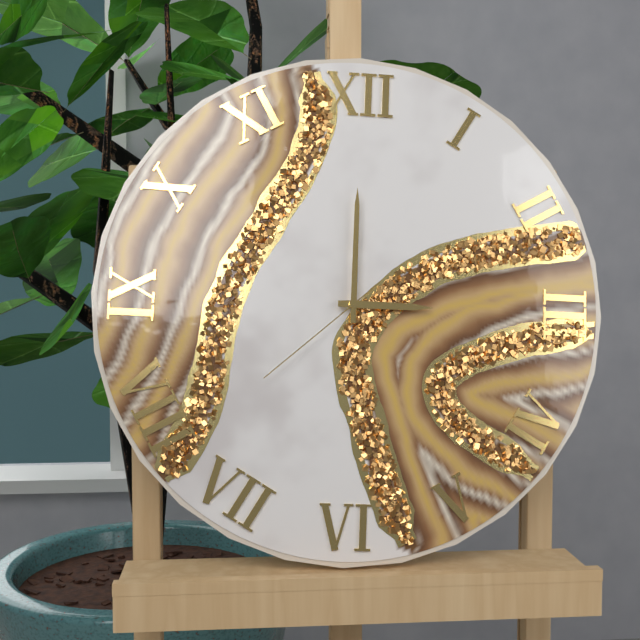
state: 3:00:38
